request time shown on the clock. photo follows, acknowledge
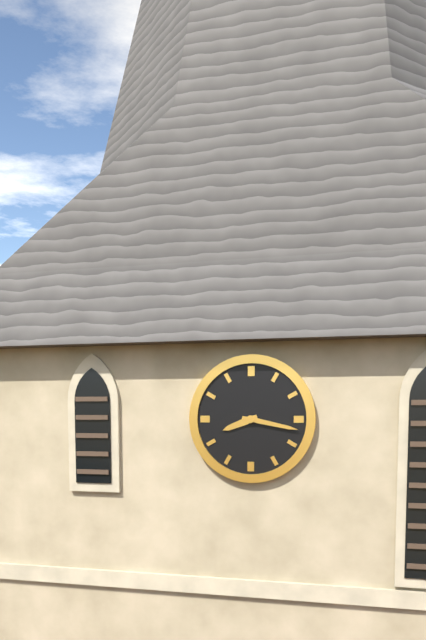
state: 8:17
